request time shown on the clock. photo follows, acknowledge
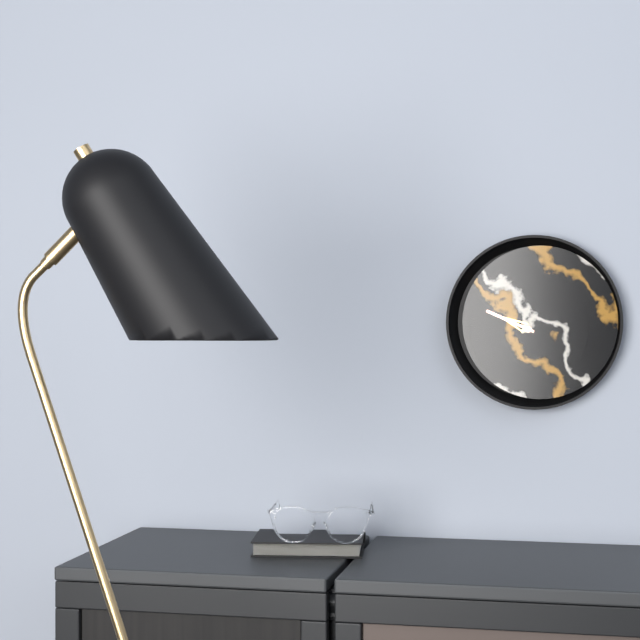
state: 9:49
